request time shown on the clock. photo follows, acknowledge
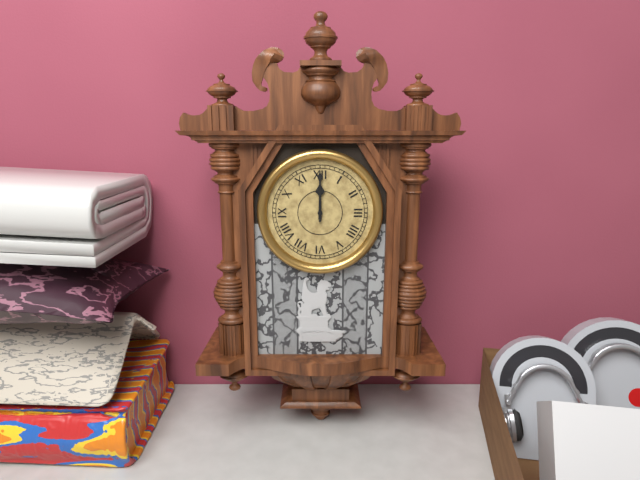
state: 12:00
